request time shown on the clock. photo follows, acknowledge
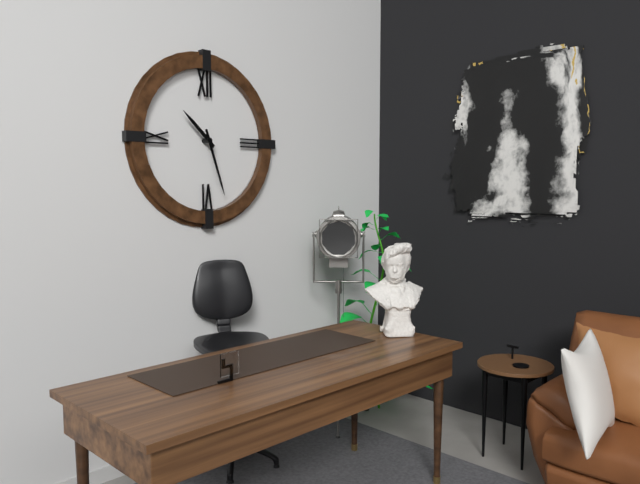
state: 10:27
